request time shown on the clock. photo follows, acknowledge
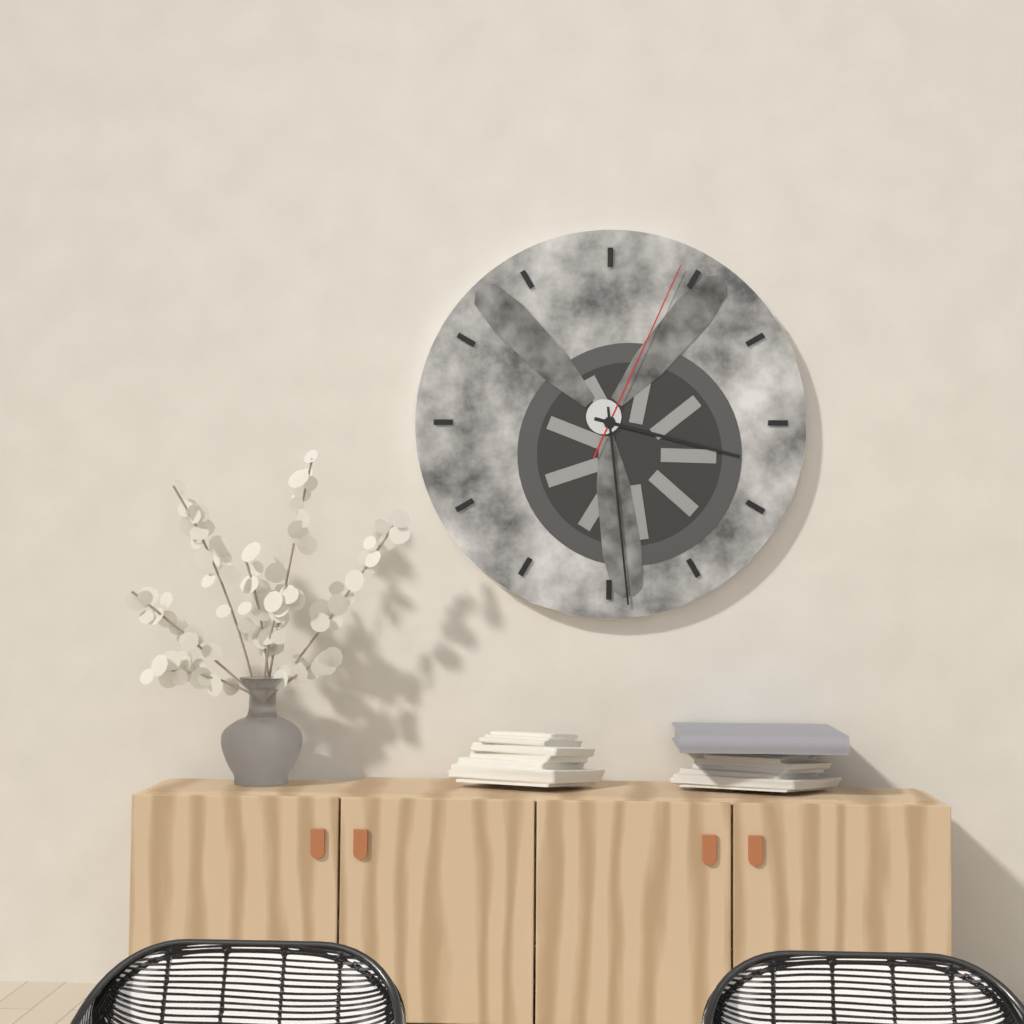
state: 3:29:04
